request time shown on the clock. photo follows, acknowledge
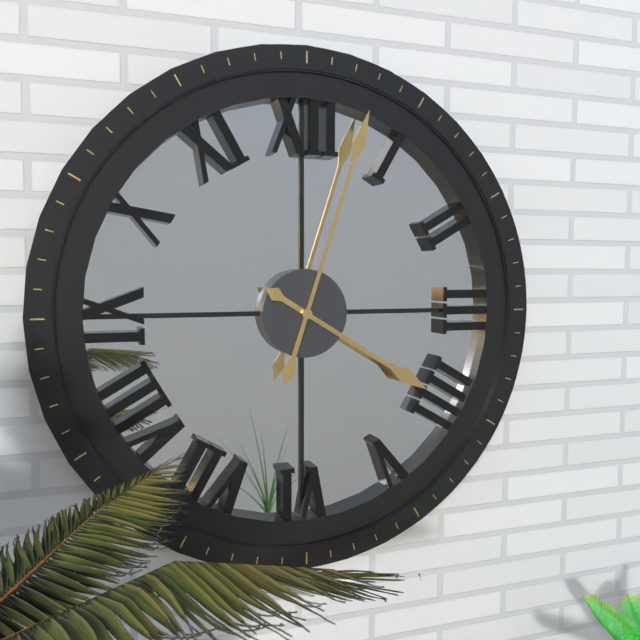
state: 4:03
